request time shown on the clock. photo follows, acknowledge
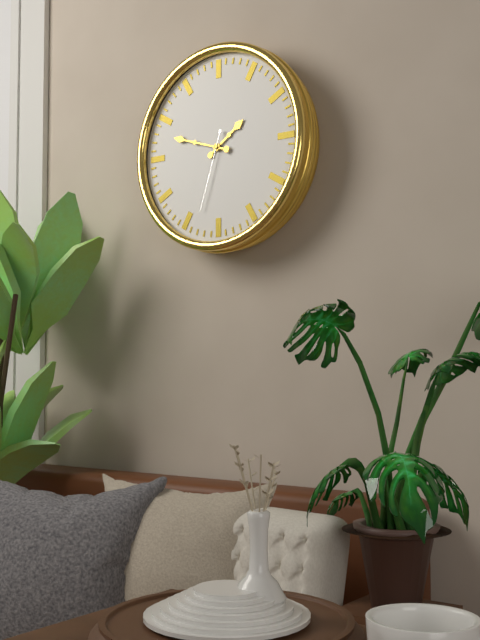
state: 1:48:33
